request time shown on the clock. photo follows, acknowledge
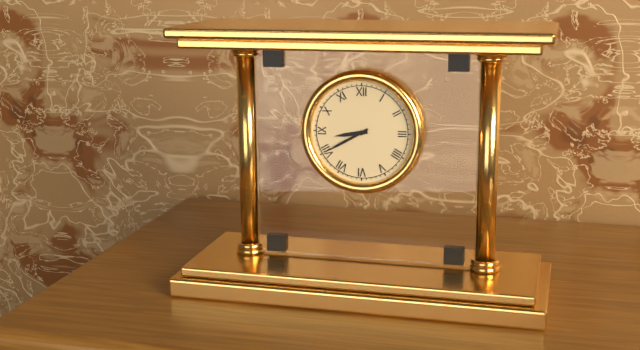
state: 8:40
